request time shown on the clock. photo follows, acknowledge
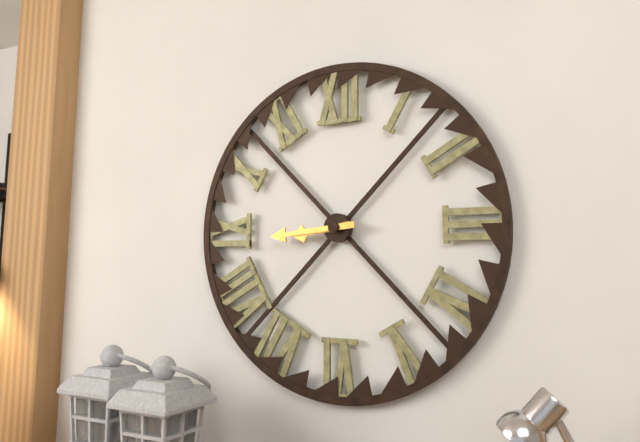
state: 8:44
